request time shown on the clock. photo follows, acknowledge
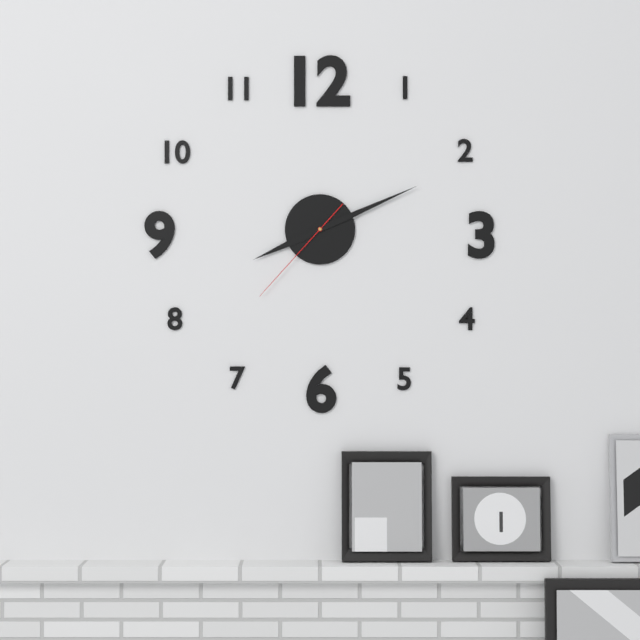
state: 8:11:37
